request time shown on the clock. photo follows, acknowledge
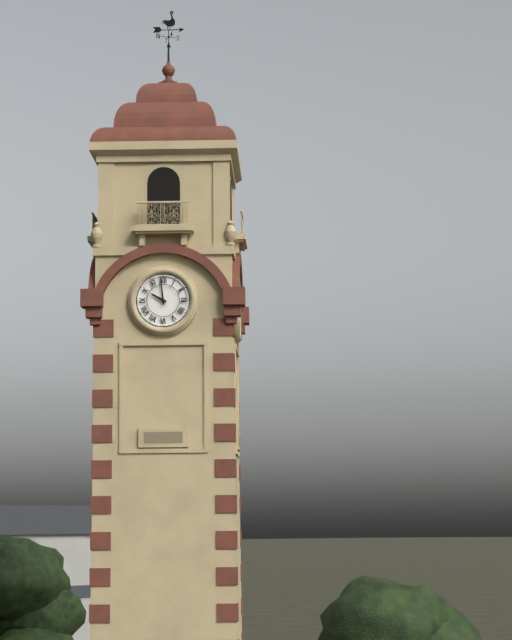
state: 9:59
